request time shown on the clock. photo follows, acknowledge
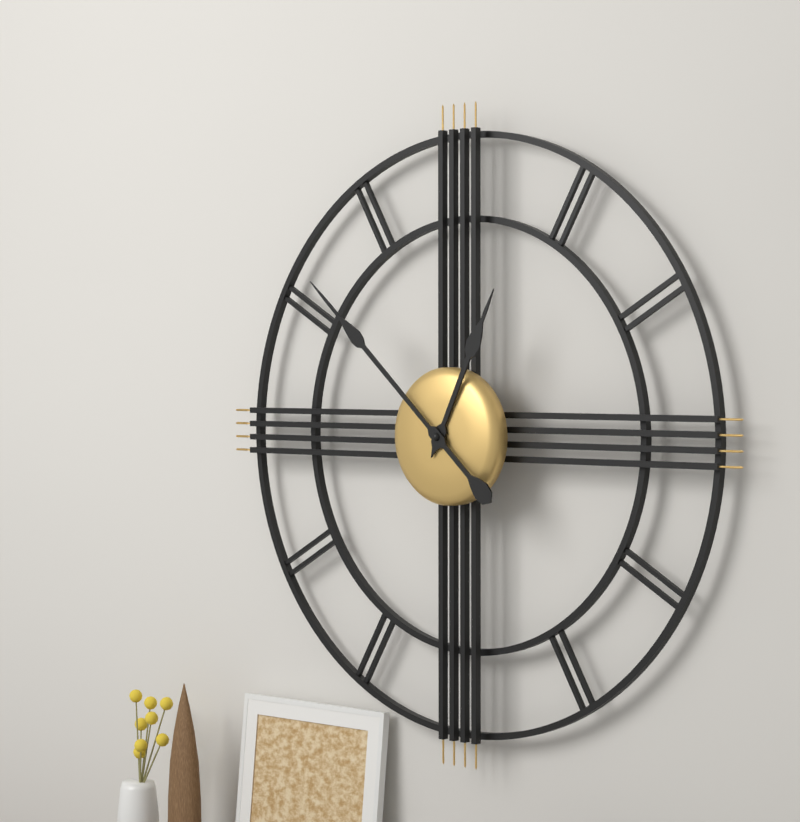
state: 12:52
